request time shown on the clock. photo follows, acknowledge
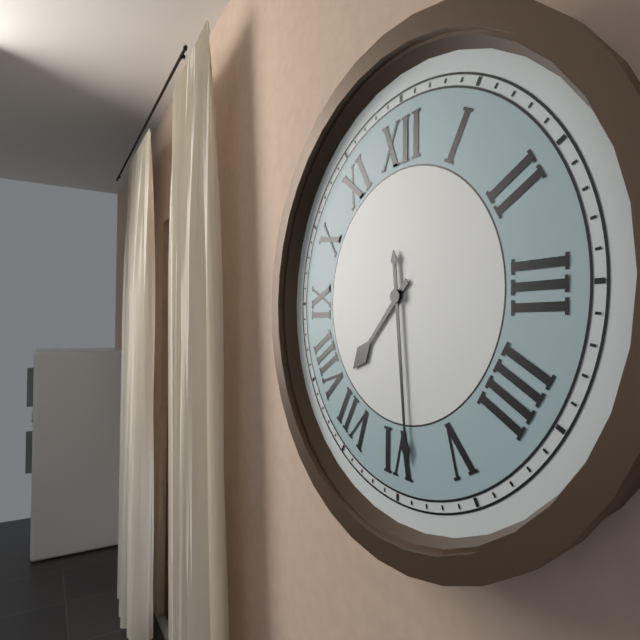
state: 7:29
